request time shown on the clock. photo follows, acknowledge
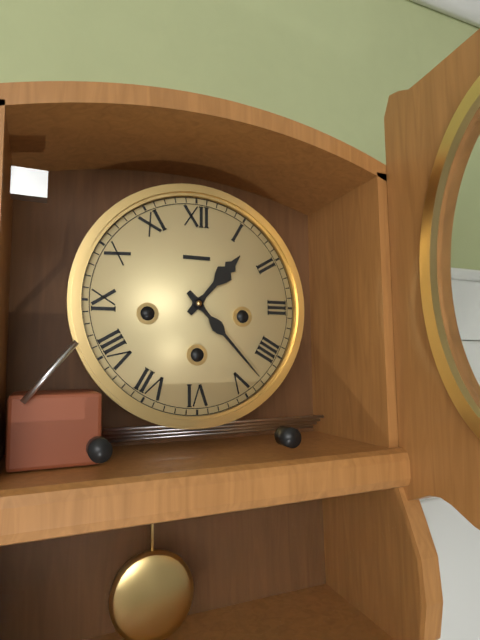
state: 1:23
